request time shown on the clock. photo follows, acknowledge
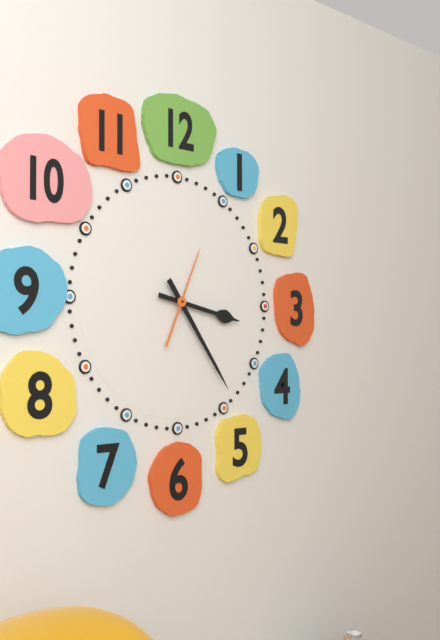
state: 3:24:04
